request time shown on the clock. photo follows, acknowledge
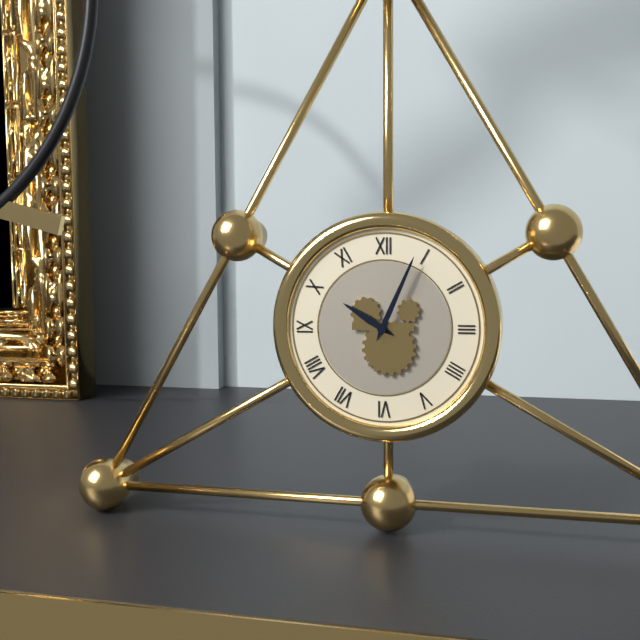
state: 10:04
